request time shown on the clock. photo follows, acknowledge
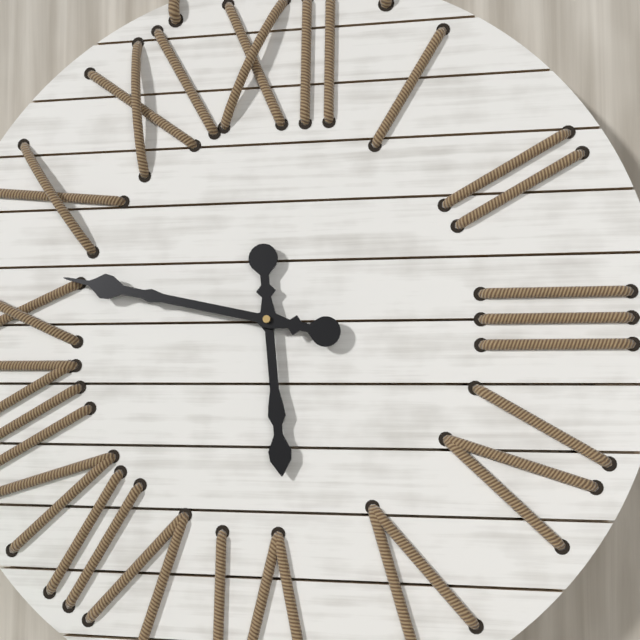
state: 5:47
